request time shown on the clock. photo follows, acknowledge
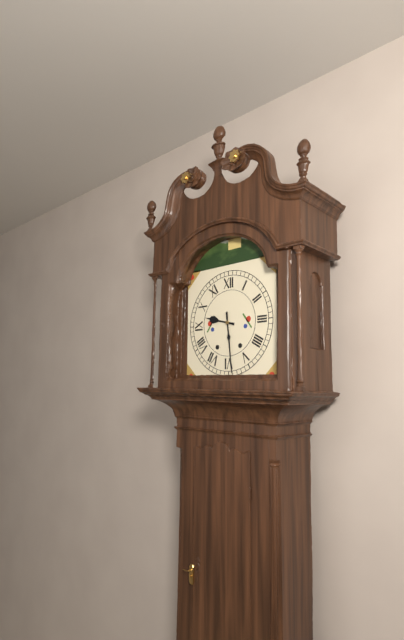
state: 9:29
